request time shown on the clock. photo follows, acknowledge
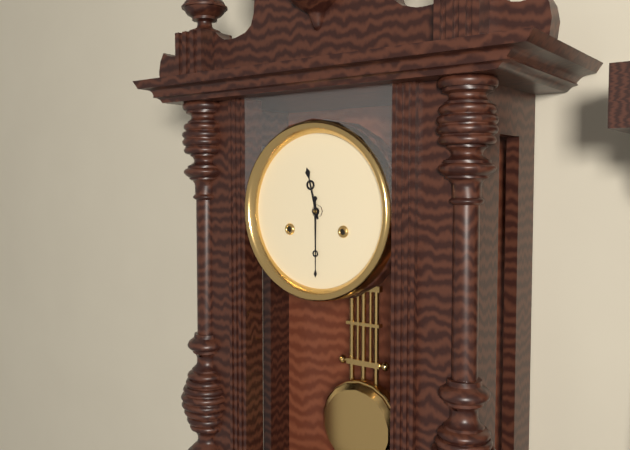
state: 11:30
